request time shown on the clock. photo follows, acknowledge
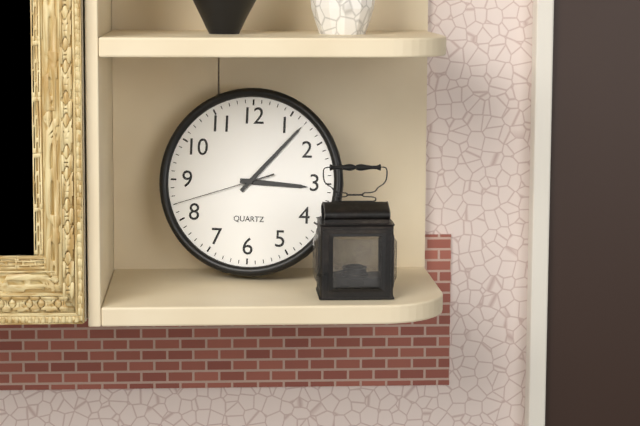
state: 3:07:42
